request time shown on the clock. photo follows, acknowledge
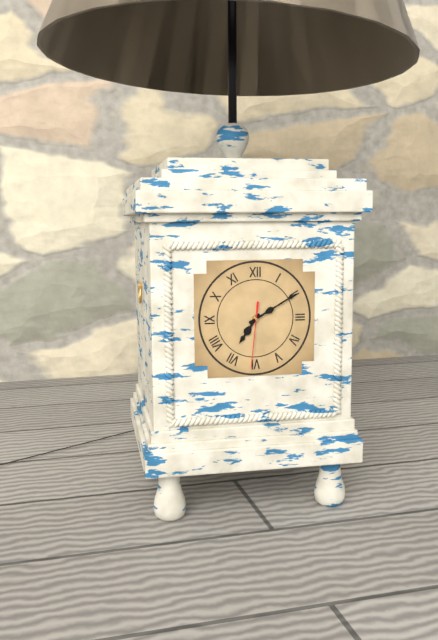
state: 7:10:31
